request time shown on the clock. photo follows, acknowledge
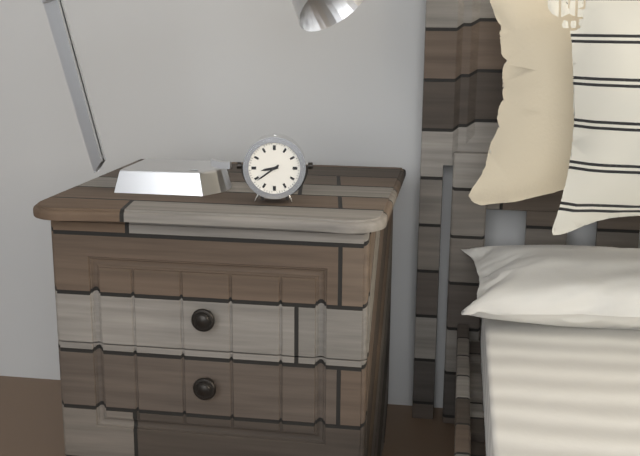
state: 8:39
